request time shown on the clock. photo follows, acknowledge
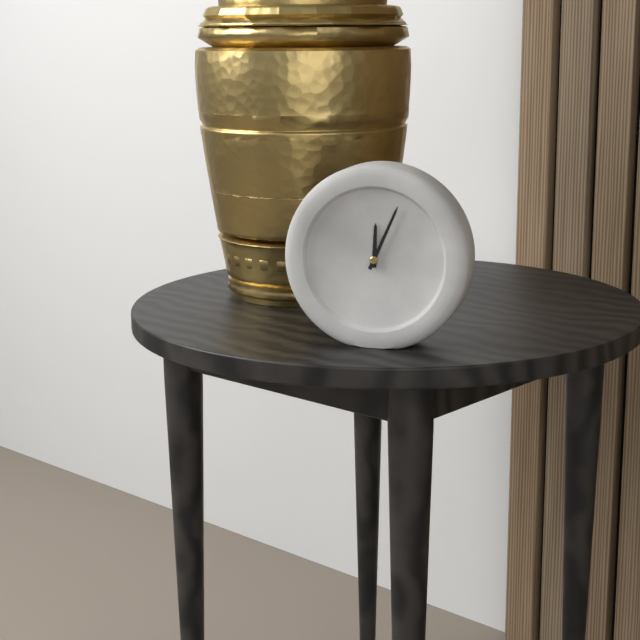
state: 12:04
